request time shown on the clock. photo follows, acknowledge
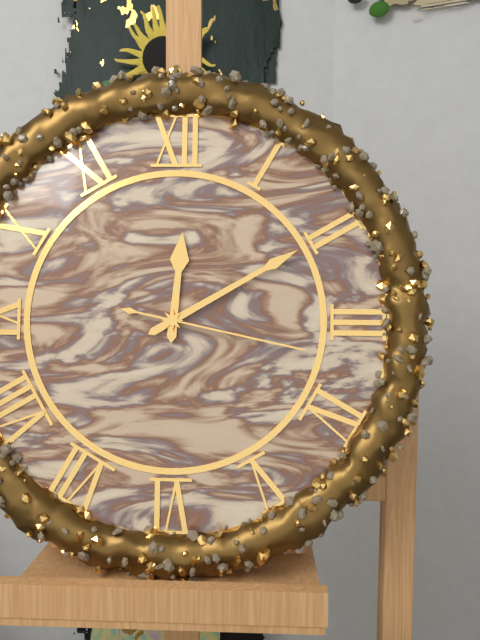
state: 12:10:17
